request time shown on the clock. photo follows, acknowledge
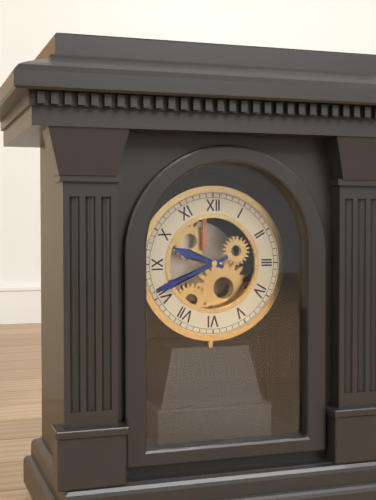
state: 9:41
